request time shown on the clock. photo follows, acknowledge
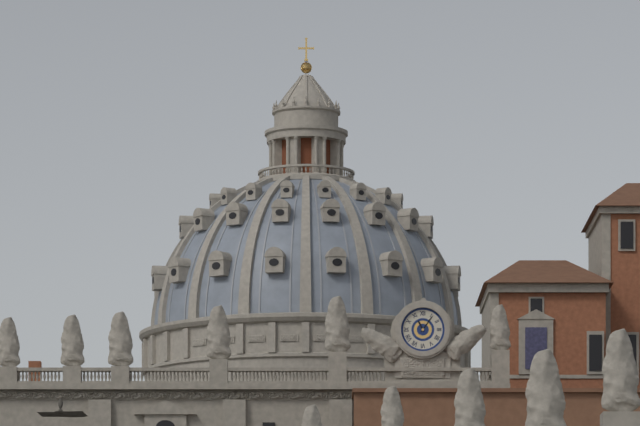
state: 11:06
